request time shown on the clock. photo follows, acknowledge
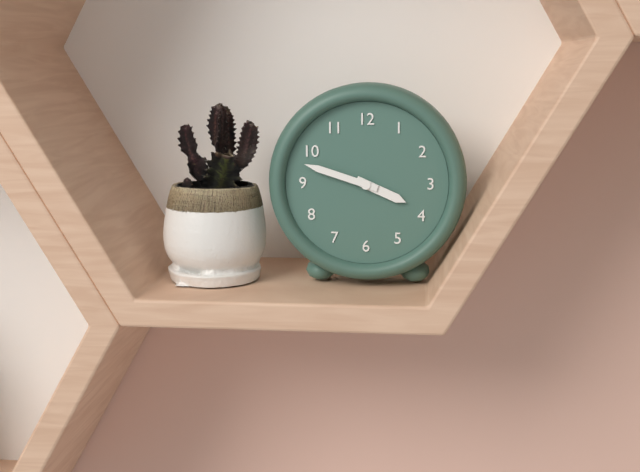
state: 3:48
